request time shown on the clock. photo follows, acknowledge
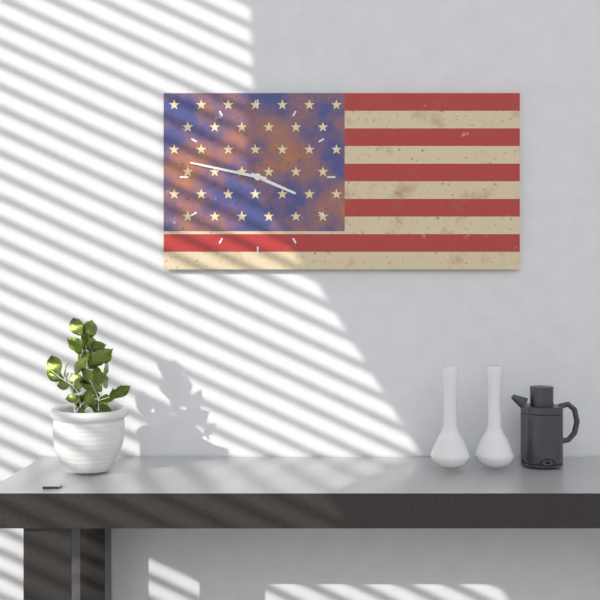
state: 3:47
